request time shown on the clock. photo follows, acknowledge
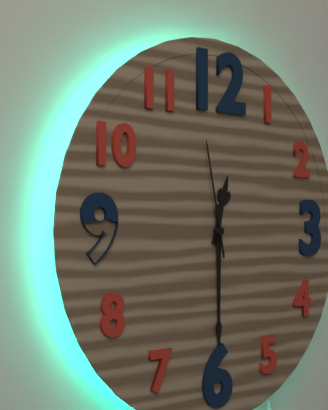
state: 12:30:58
